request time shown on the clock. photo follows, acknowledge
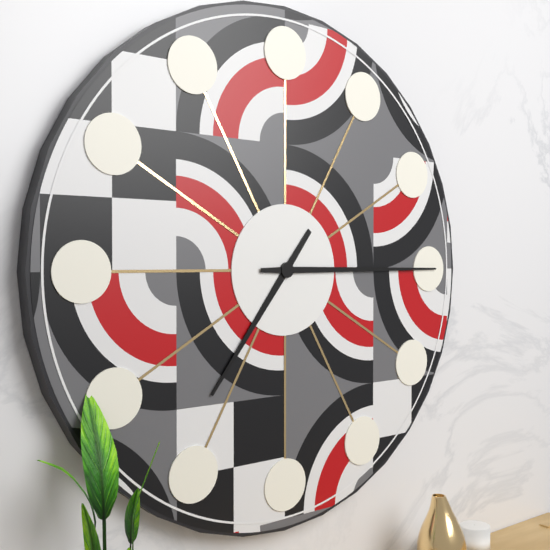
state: 7:15
